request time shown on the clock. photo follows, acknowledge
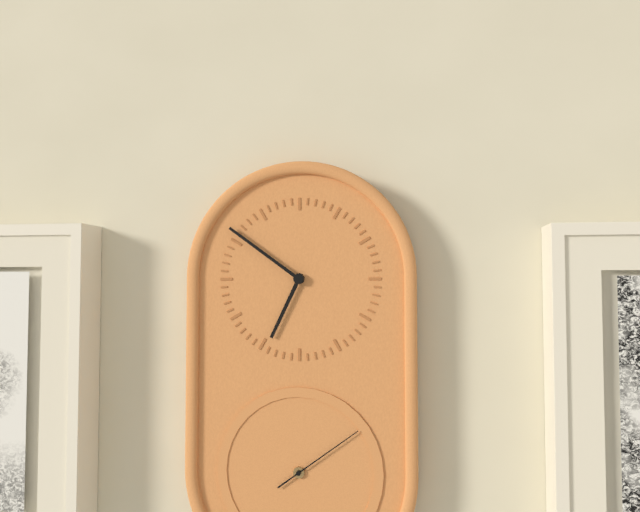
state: 6:51:09
